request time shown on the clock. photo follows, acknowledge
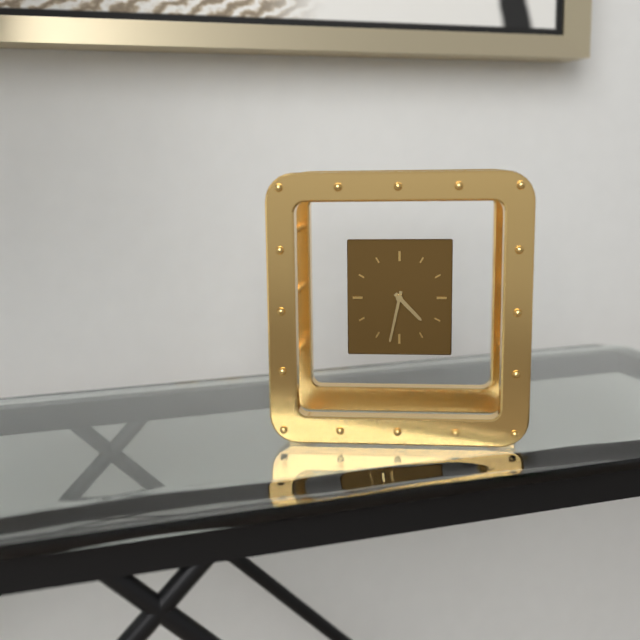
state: 4:32
